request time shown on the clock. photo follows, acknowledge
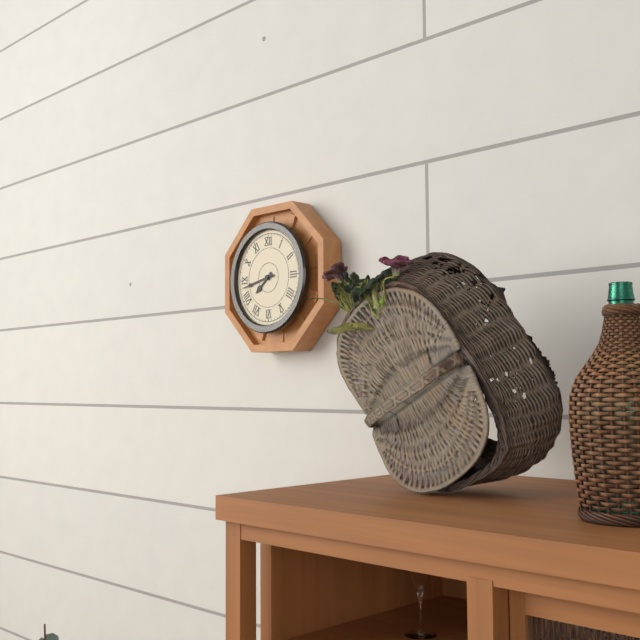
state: 7:43
